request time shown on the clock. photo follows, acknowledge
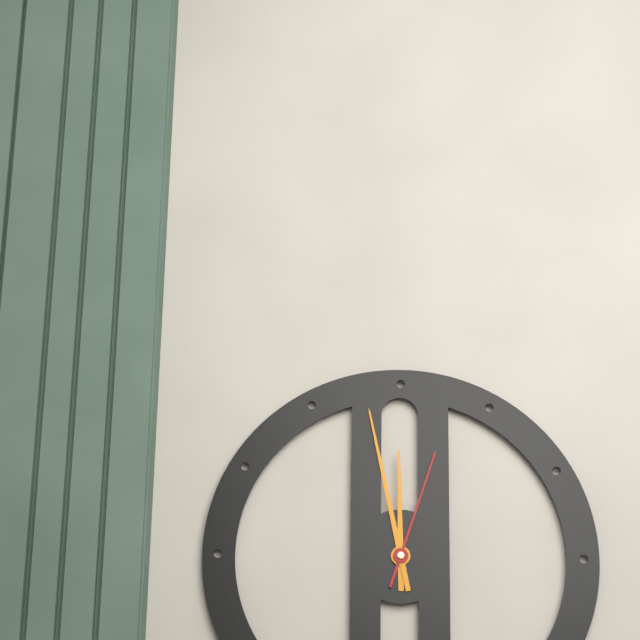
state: 11:58:03
